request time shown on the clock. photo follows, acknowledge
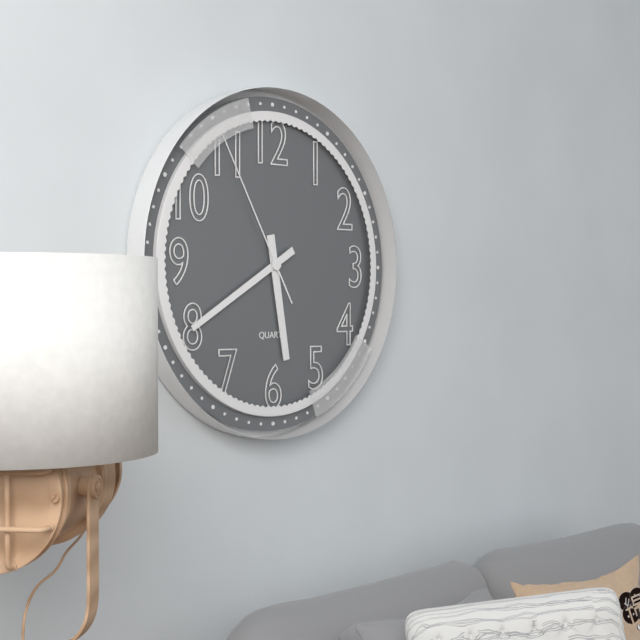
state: 5:40:55
